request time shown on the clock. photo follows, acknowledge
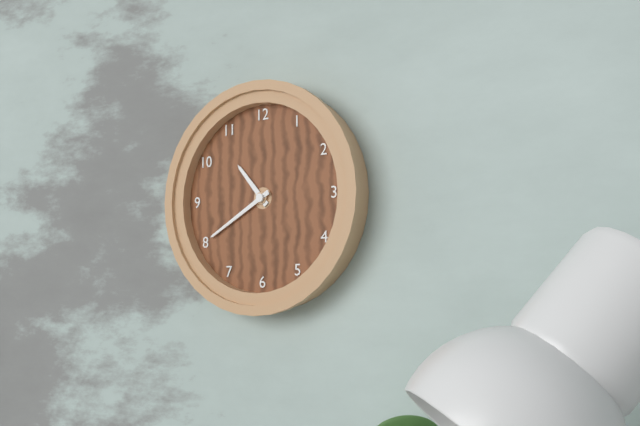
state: 10:40
